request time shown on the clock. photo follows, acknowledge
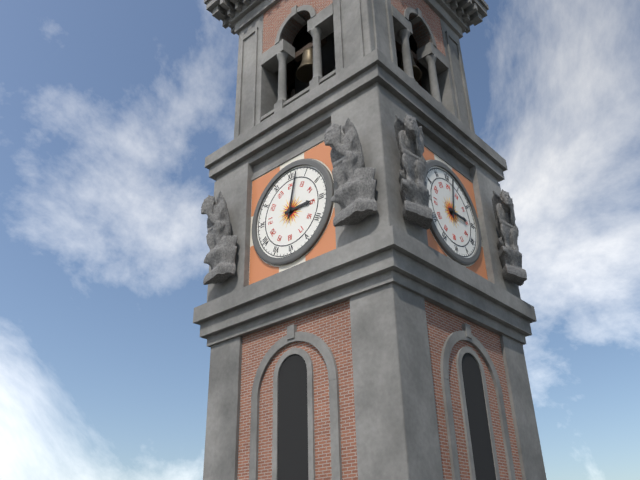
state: 3:02
